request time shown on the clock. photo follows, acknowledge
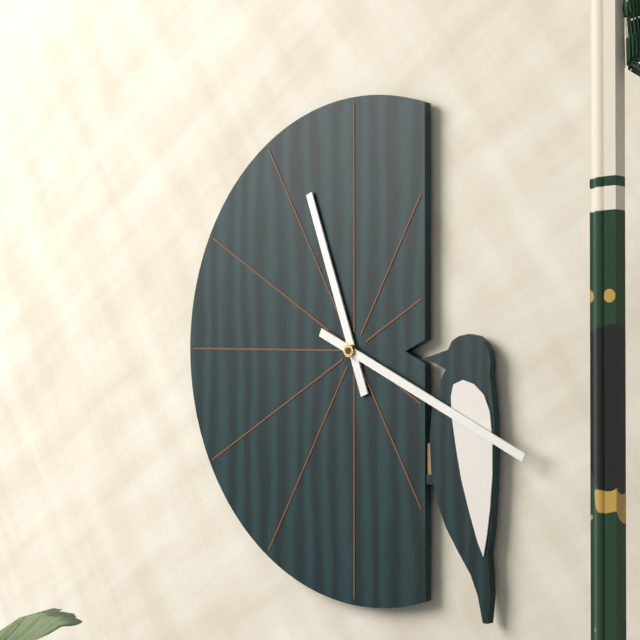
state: 11:19
